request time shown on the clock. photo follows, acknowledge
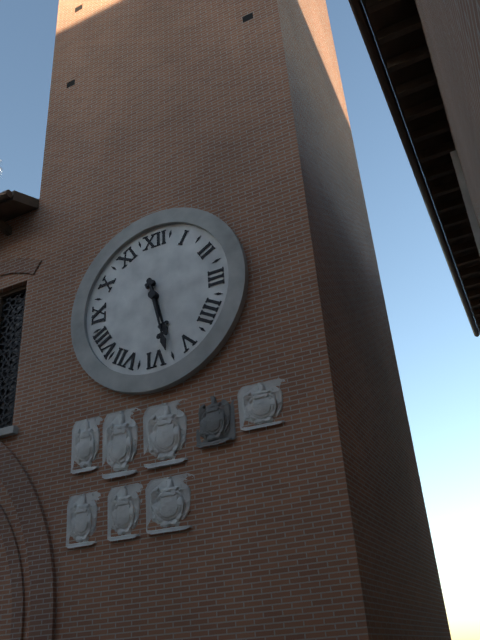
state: 5:28
